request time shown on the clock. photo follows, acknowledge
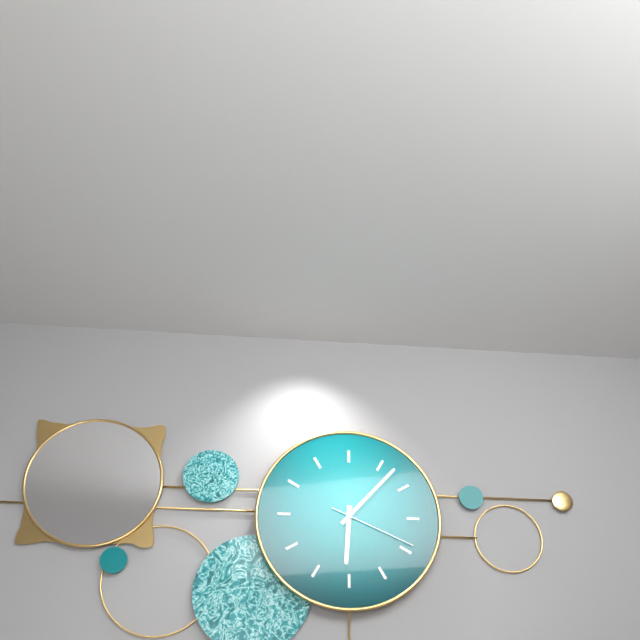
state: 6:07:19
